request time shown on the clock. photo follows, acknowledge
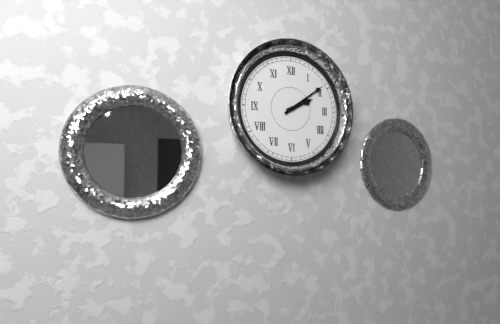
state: 2:09
